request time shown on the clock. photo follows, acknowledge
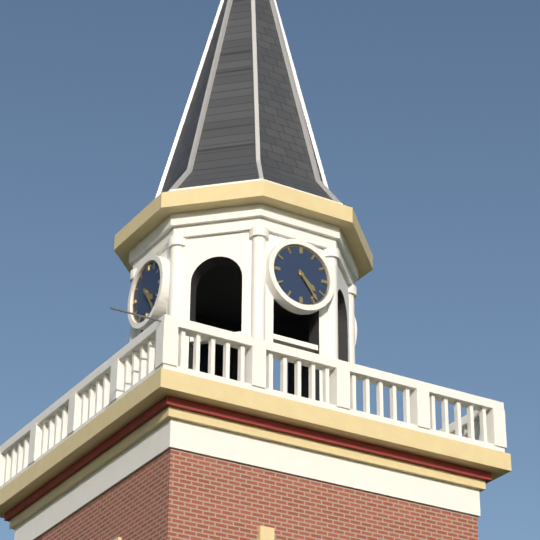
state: 4:24
